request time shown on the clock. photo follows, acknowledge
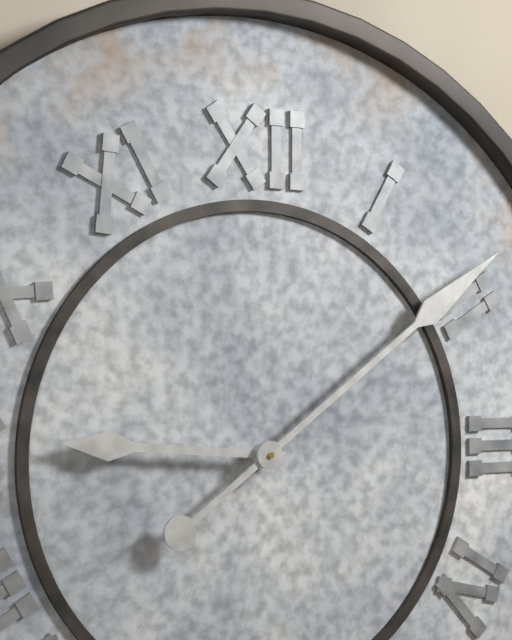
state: 9:09
